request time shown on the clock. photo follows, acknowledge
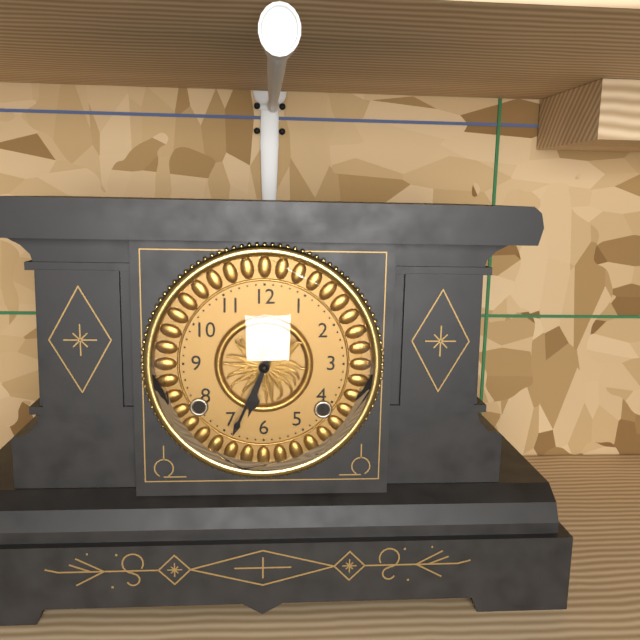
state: 6:34
